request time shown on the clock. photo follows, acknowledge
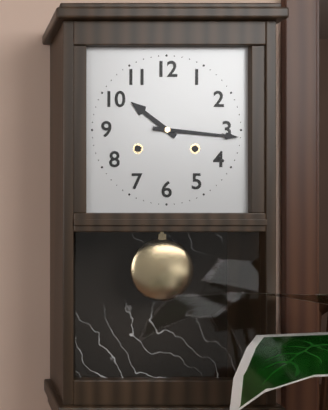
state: 10:16
